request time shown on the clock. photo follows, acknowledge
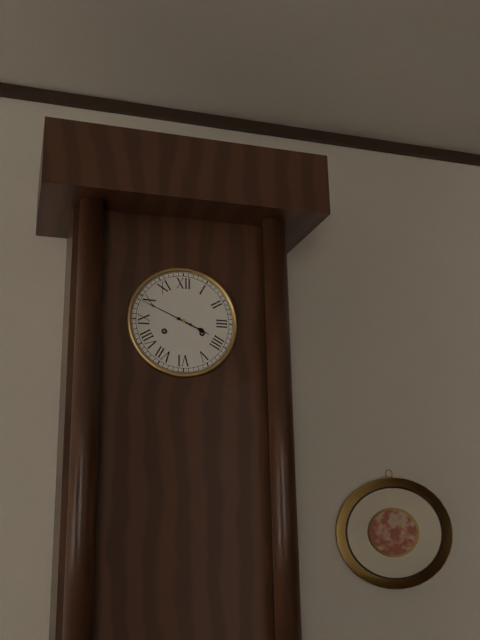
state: 3:49
